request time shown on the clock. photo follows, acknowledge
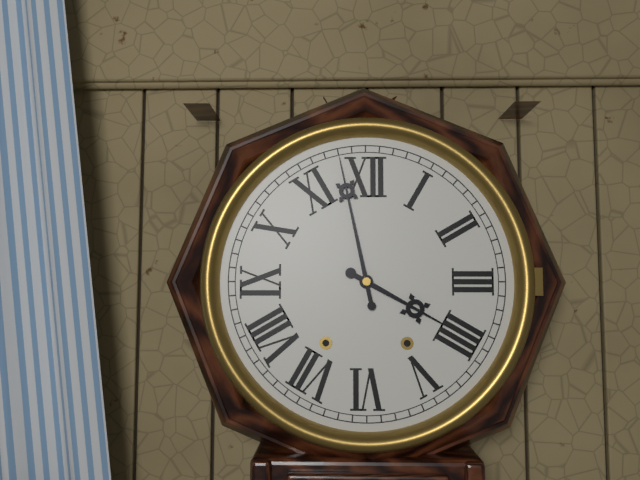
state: 3:58
